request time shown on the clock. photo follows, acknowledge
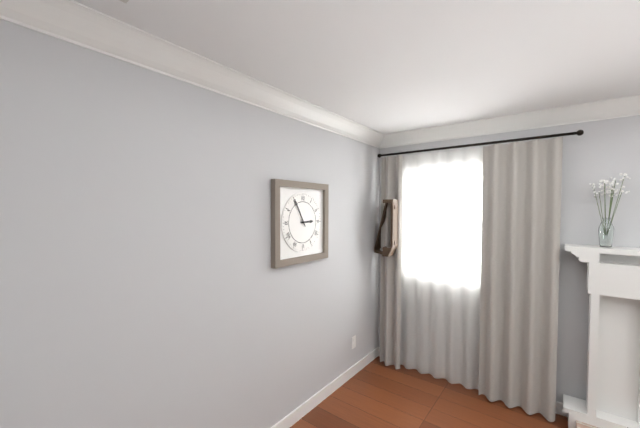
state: 2:55
